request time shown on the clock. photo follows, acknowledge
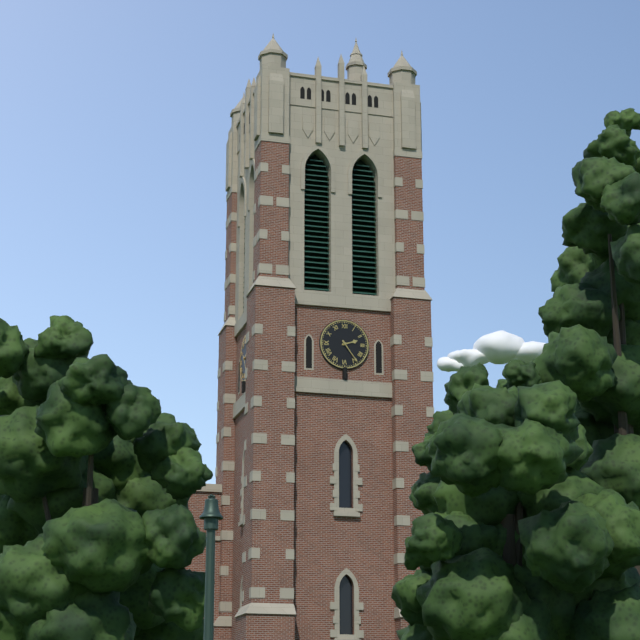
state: 2:24
